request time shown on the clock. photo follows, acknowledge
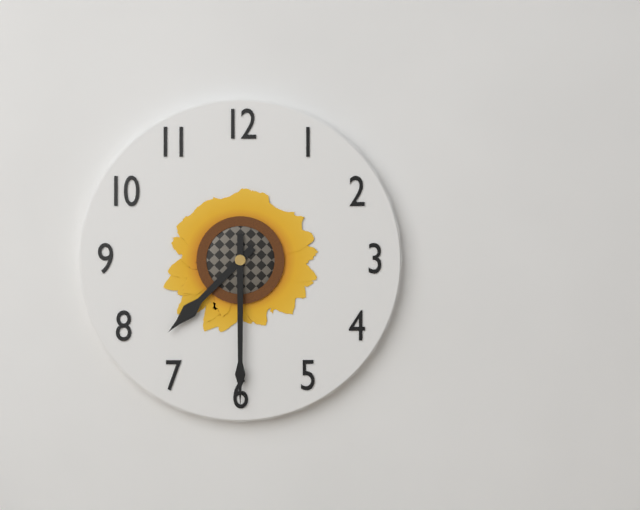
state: 7:30
